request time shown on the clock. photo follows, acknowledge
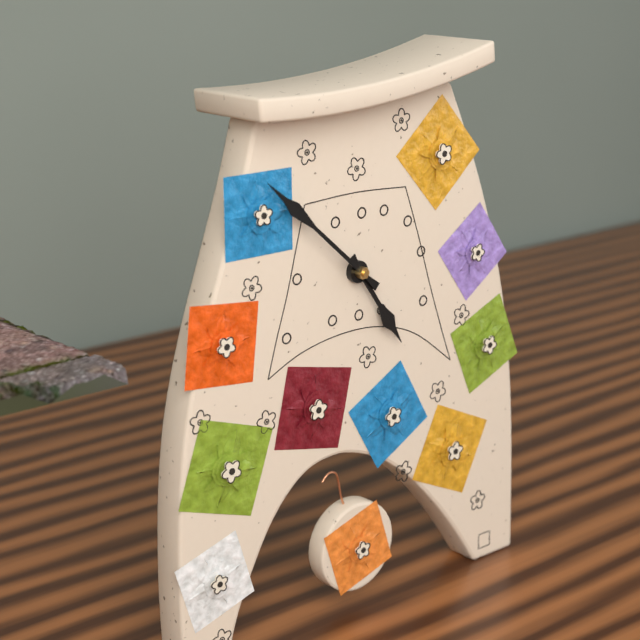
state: 4:52
